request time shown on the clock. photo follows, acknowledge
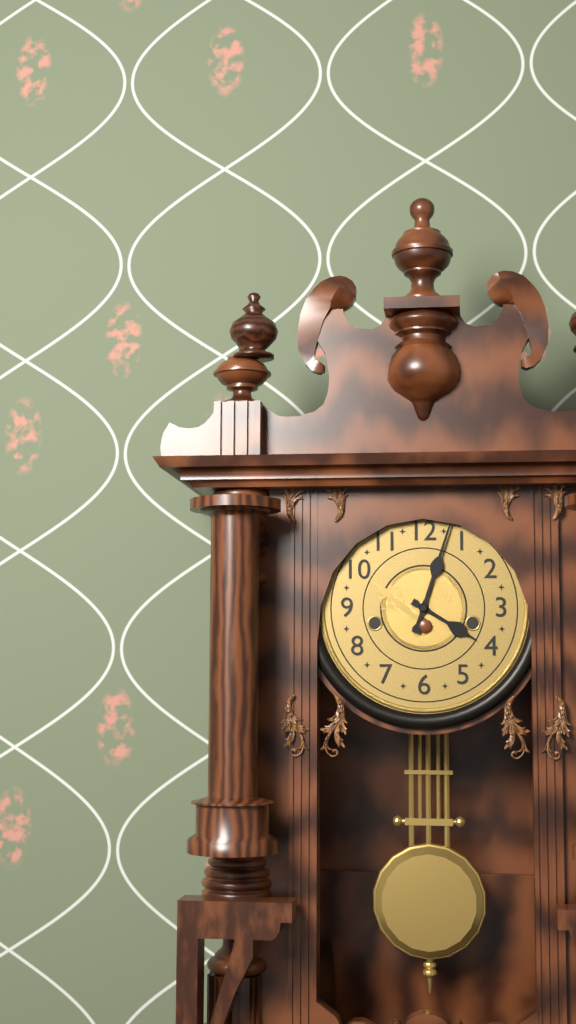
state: 4:03
